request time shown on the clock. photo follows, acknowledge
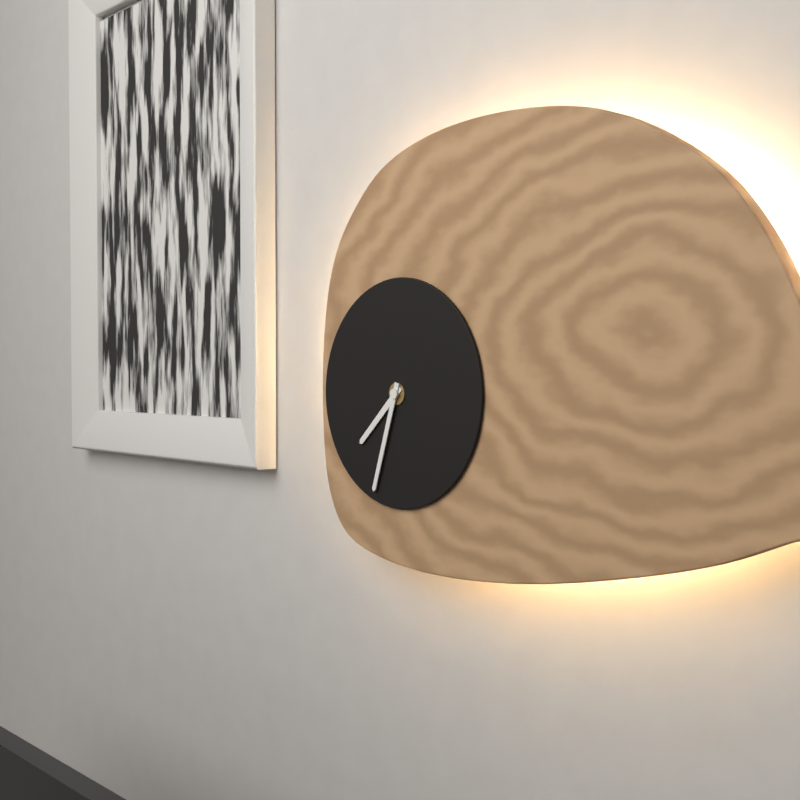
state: 7:33
